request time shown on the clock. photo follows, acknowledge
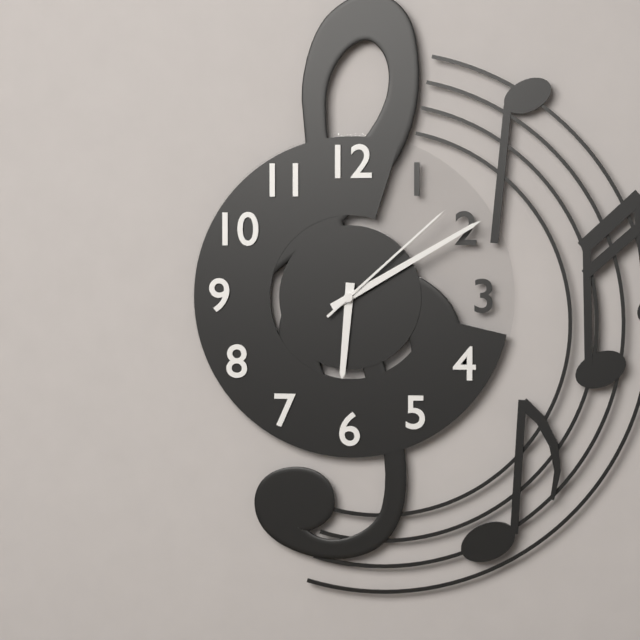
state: 6:10:08
